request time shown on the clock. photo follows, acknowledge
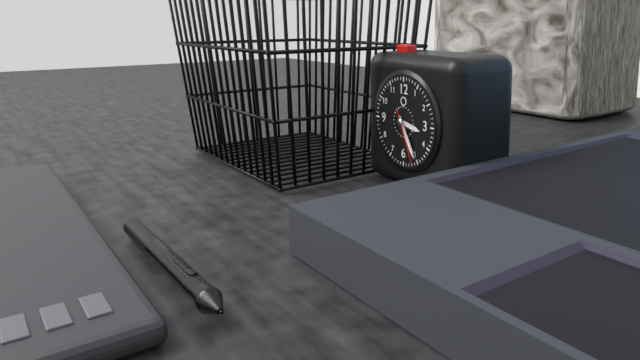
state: 3:25:26
